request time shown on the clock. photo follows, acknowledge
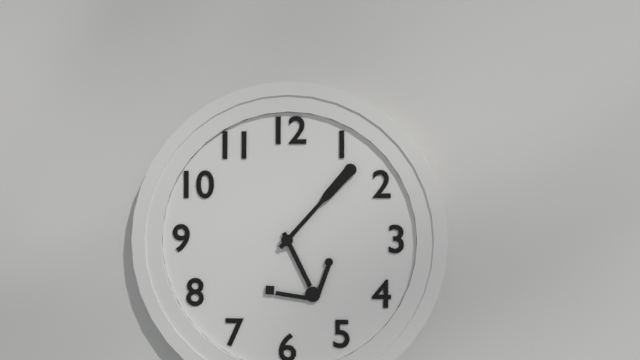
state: 5:07
